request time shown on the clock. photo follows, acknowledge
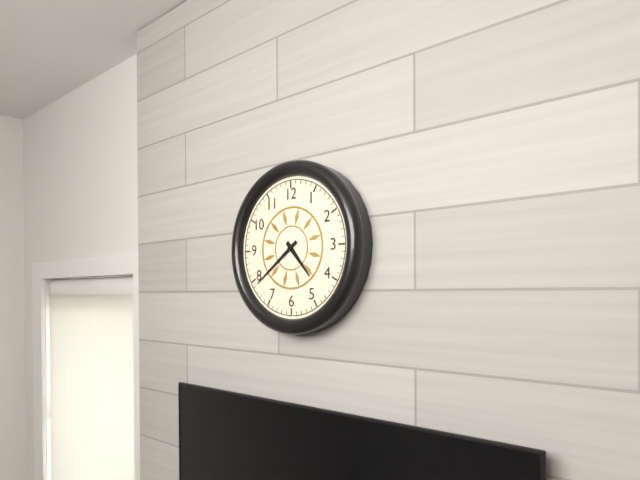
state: 4:39
